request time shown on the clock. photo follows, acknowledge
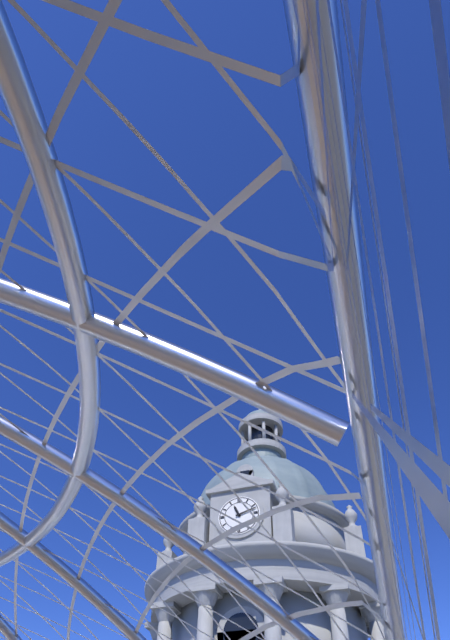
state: 11:12
